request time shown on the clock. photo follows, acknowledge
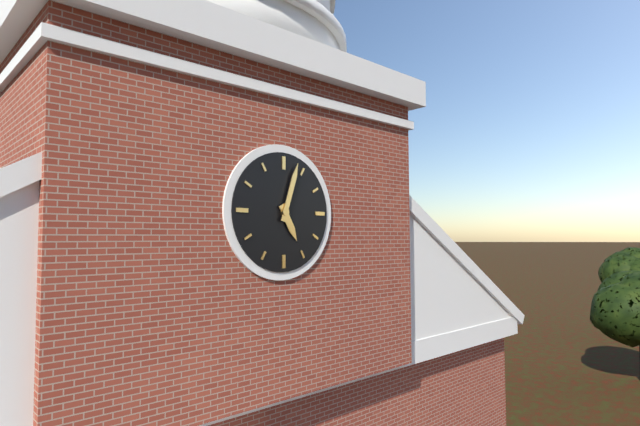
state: 5:03
